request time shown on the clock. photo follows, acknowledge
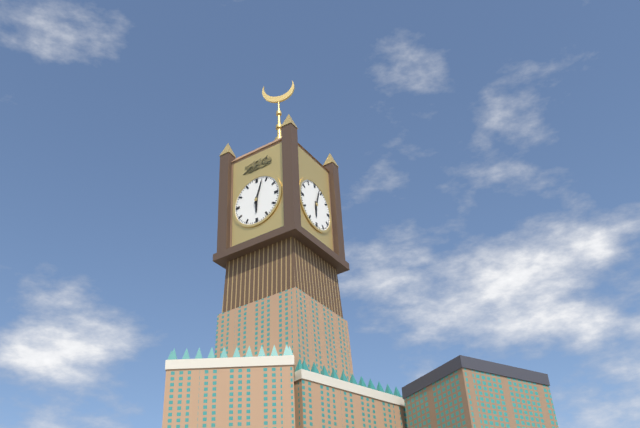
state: 6:03
